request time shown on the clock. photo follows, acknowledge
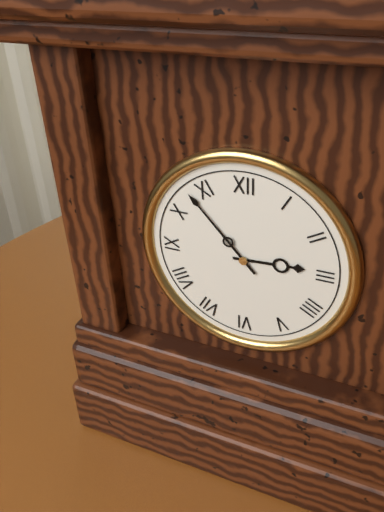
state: 2:53
